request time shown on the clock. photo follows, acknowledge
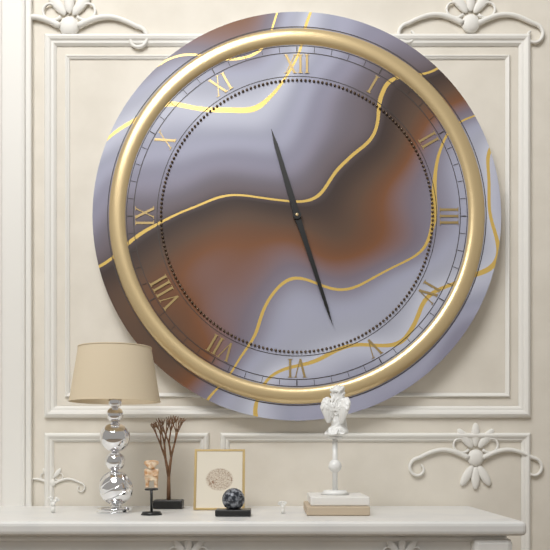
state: 11:27
